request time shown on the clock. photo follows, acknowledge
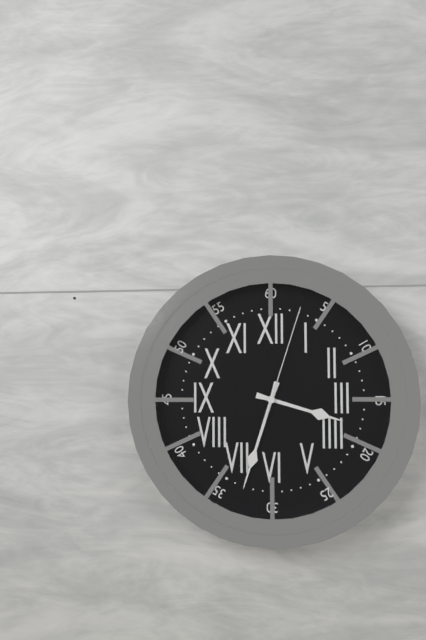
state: 3:33:03
